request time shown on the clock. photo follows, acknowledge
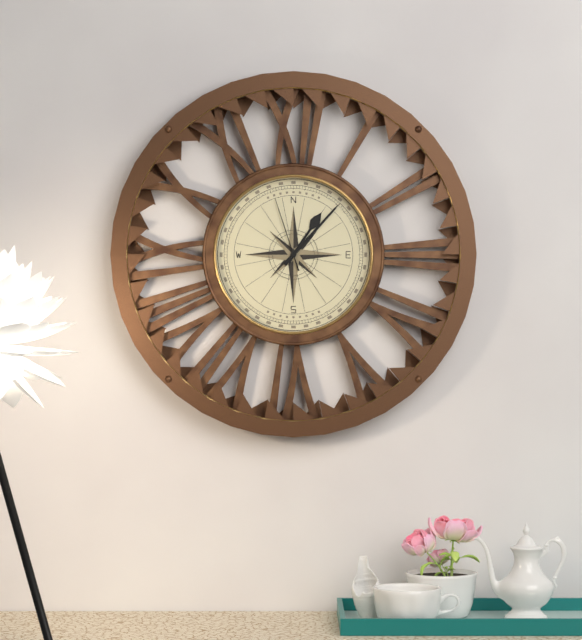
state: 1:07:57
